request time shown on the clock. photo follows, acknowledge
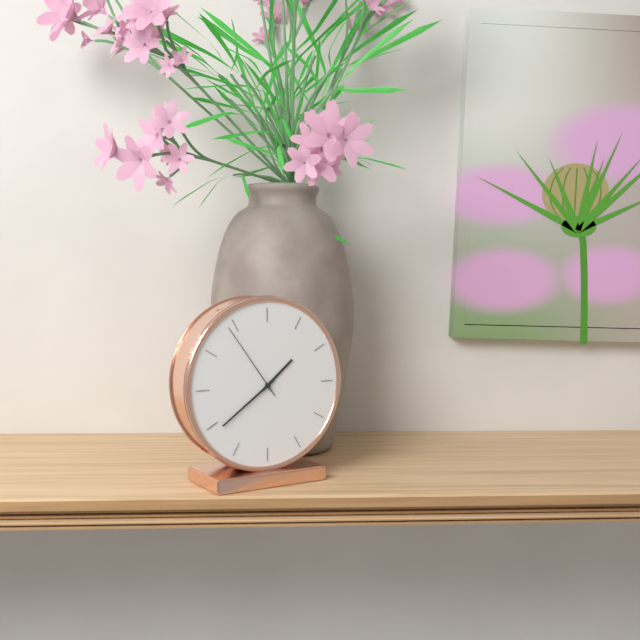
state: 1:39:54
